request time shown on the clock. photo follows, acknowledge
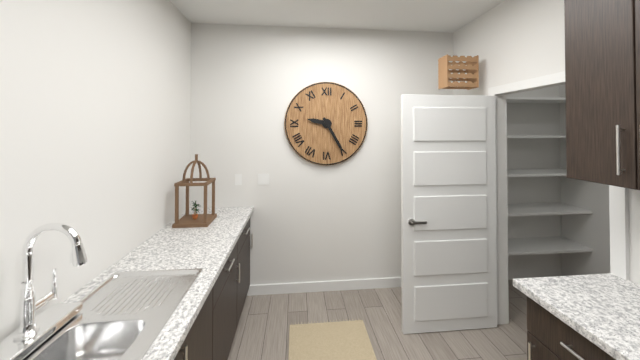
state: 9:25
